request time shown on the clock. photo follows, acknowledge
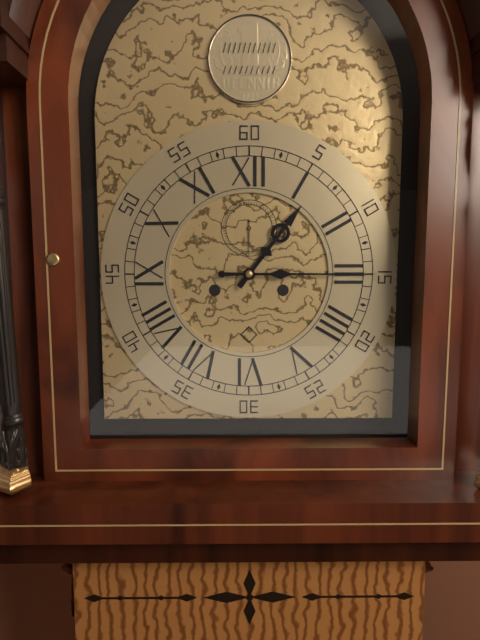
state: 1:15
